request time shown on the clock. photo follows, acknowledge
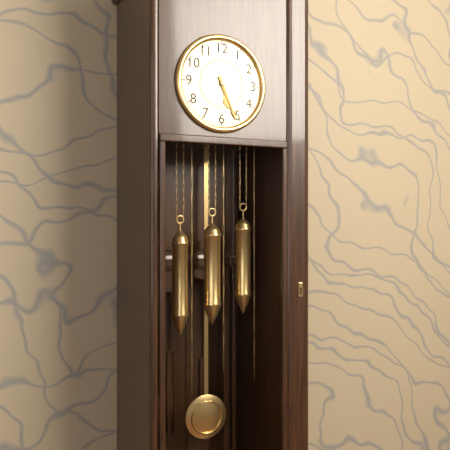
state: 5:26
